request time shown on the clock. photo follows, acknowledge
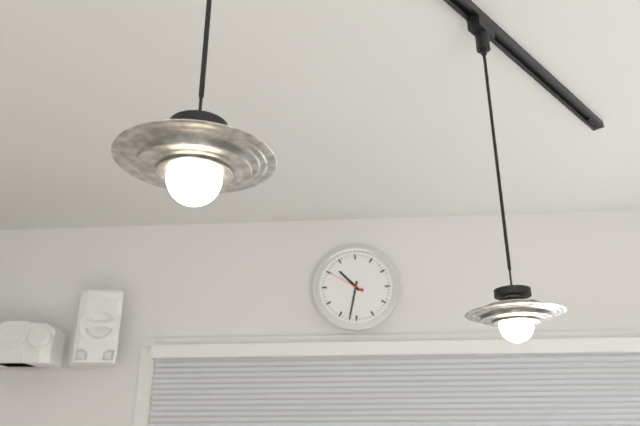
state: 10:32
